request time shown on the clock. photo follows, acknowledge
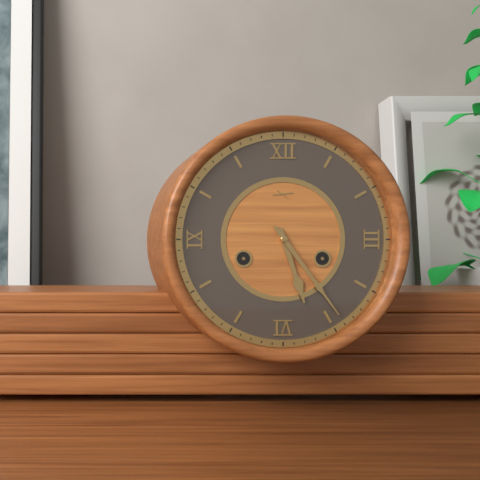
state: 5:24
